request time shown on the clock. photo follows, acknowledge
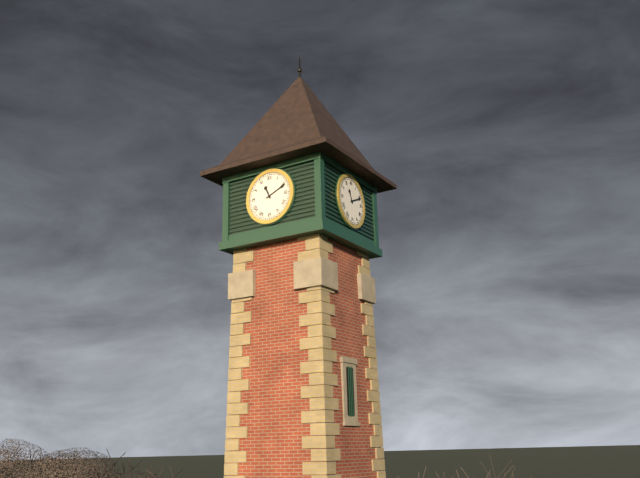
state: 11:11
